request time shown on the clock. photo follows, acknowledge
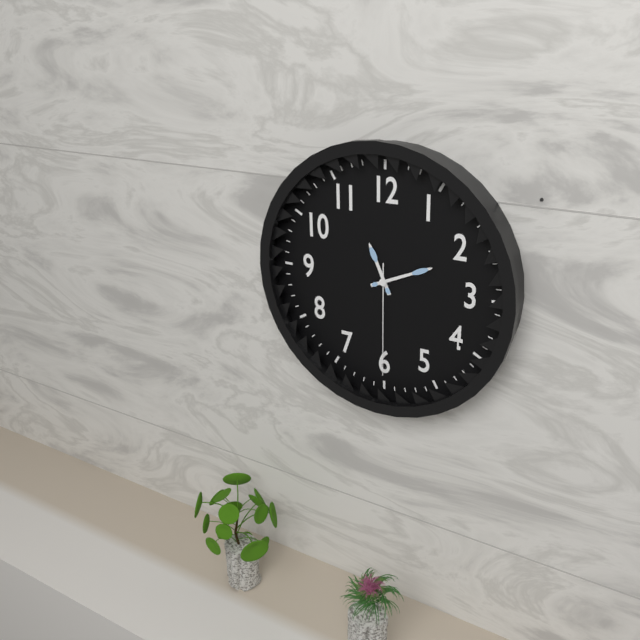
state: 11:11:30
